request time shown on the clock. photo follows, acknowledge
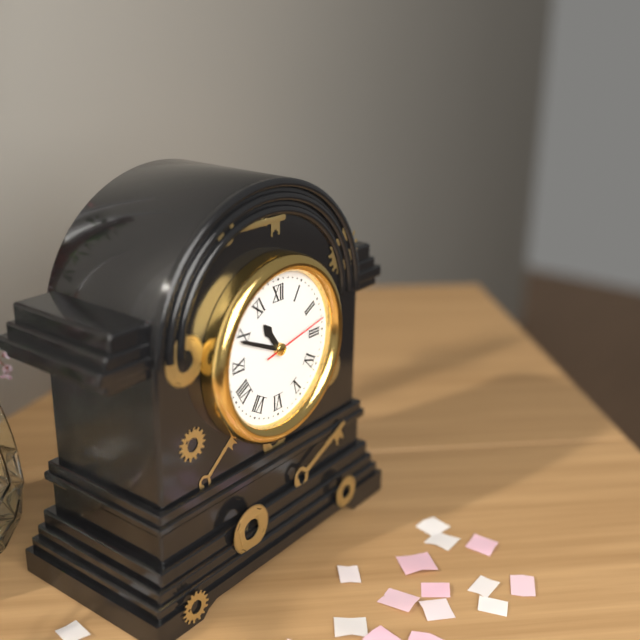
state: 10:49:13
